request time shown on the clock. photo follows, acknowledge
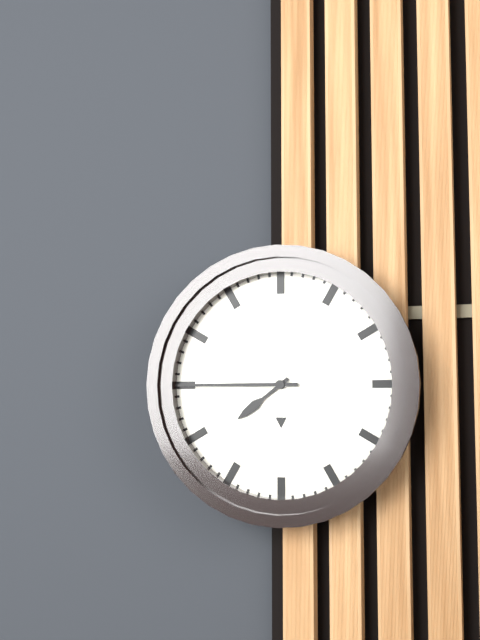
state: 7:45
